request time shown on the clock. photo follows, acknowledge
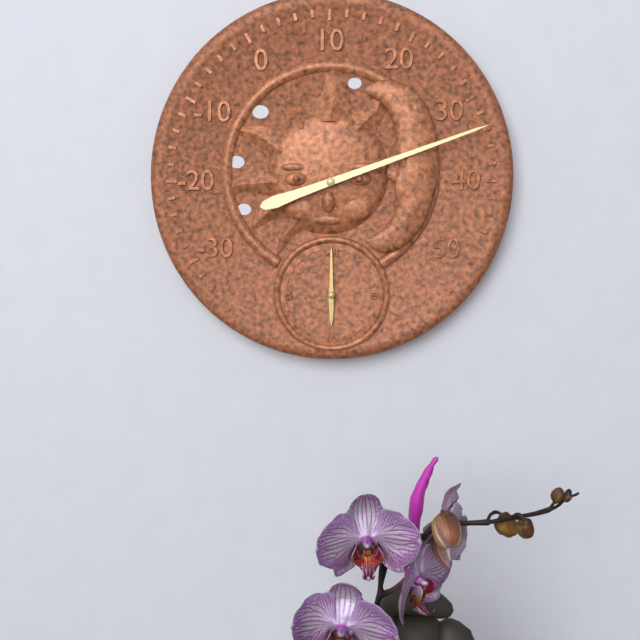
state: 6:00
